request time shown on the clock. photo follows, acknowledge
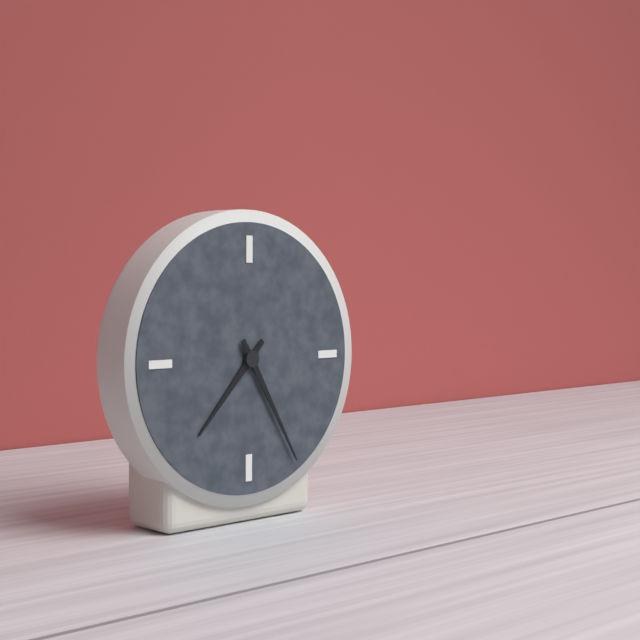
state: 7:25
